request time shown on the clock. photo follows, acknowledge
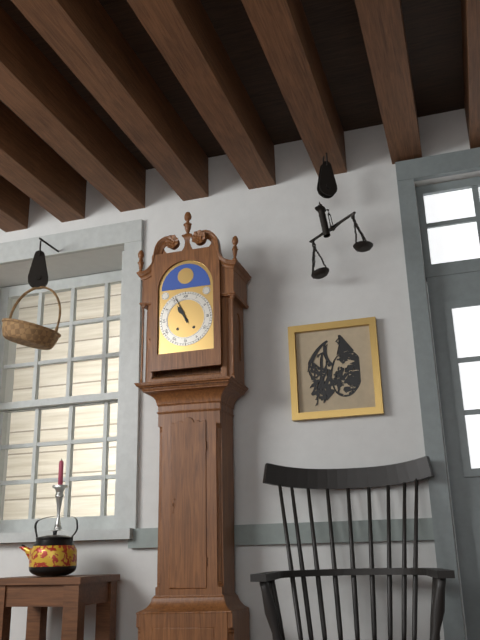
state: 10:56
